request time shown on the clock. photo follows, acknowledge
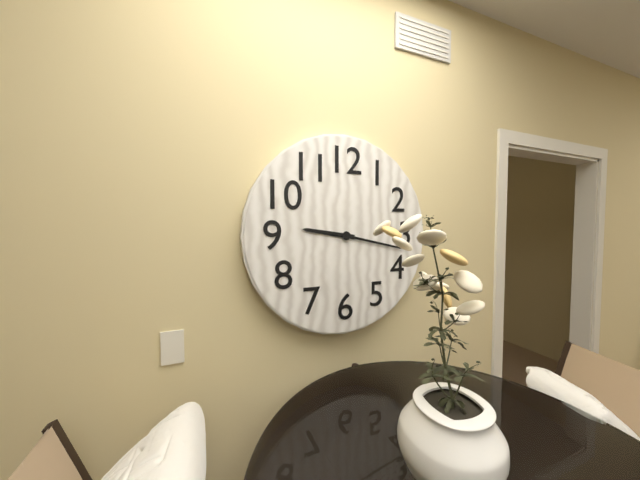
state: 9:17
